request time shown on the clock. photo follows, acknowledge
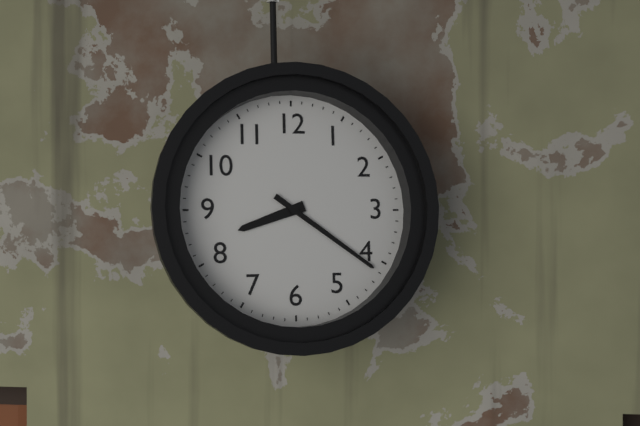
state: 8:21
